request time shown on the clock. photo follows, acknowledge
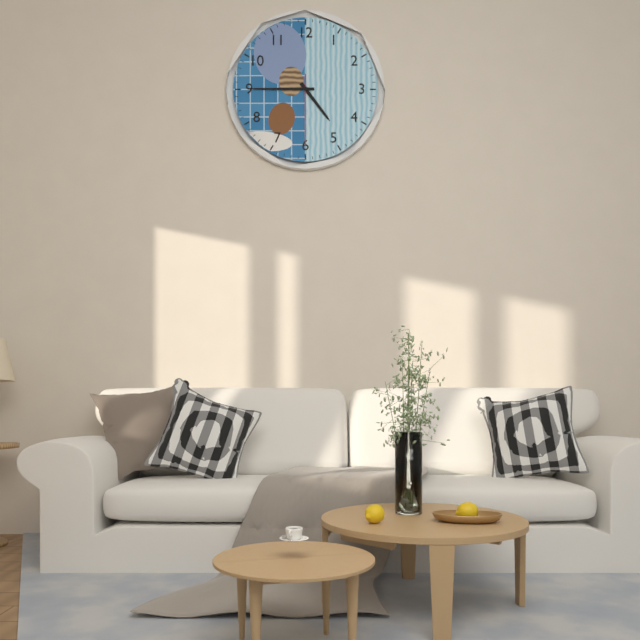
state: 4:45:30
